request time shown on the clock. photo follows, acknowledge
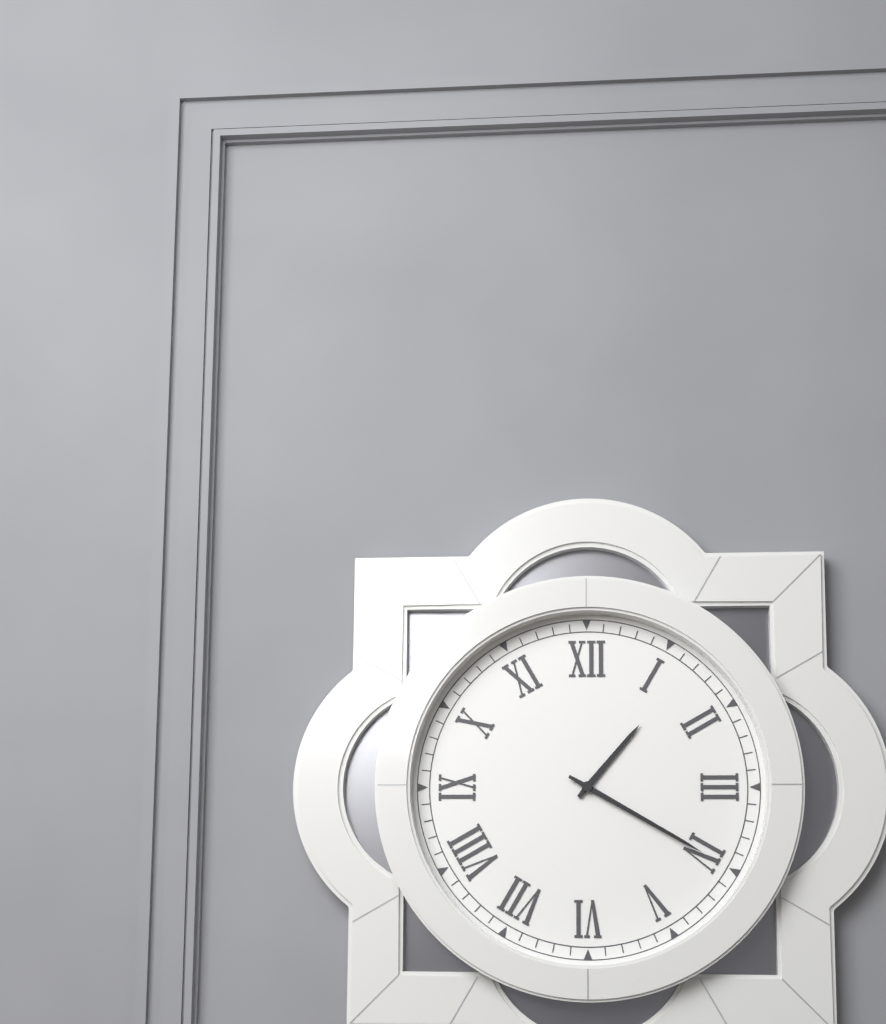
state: 1:20
